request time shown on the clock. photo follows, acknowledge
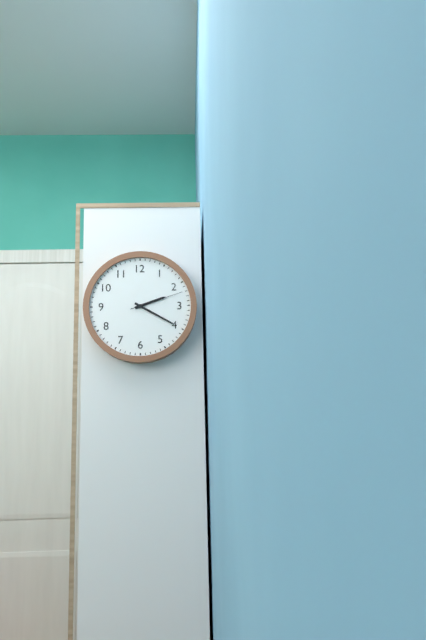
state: 2:20:12
